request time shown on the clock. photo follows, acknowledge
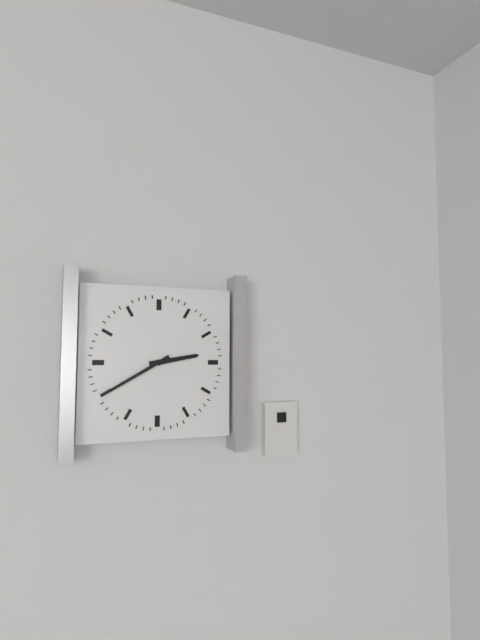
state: 2:40
